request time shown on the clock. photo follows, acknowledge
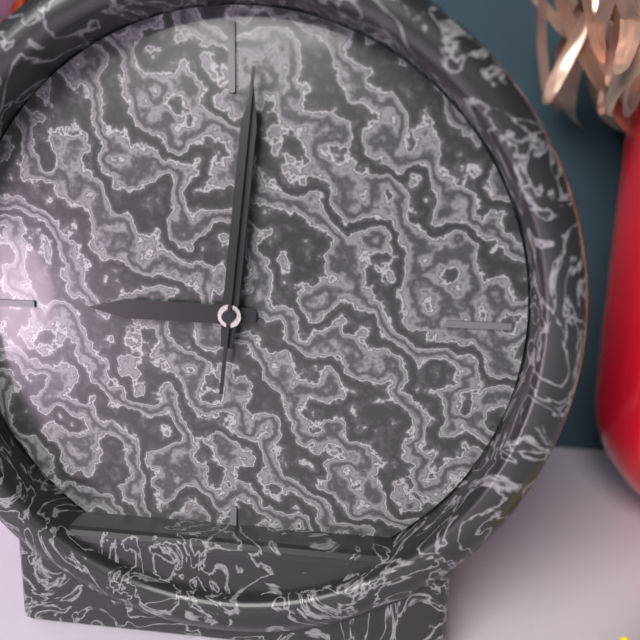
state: 9:01:01
